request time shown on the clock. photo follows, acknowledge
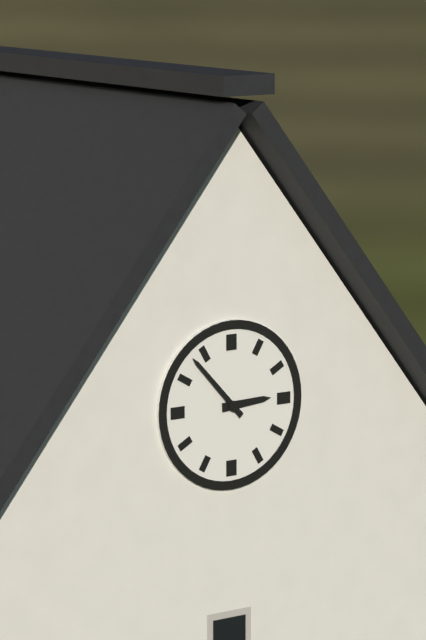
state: 2:53
